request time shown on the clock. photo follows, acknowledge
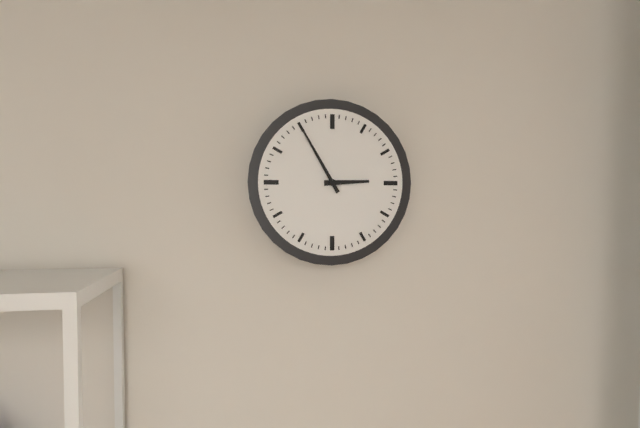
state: 2:55
